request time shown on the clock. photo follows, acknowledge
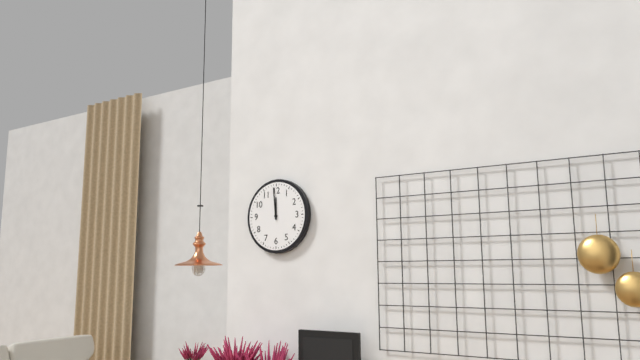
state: 11:59
